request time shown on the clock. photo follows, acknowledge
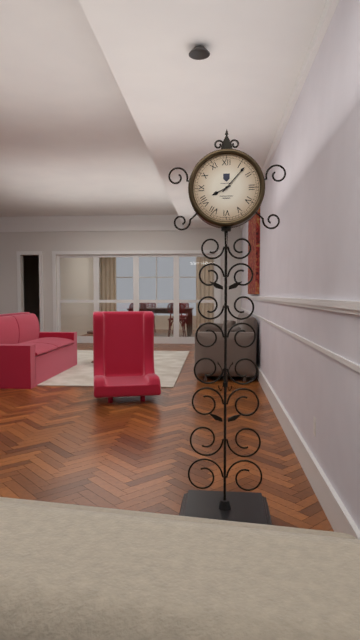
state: 8:07
